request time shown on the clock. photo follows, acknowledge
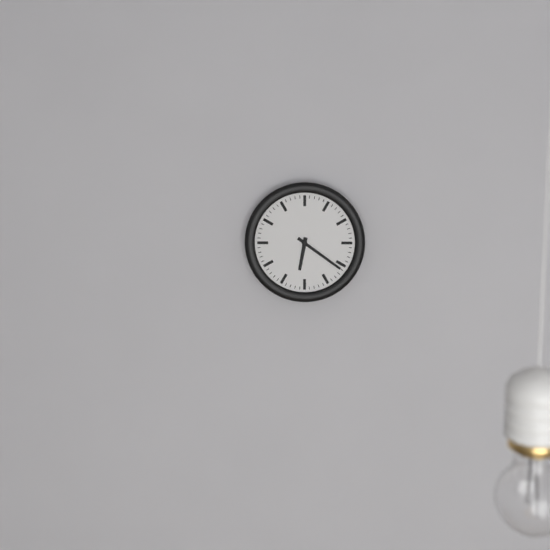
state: 6:21
